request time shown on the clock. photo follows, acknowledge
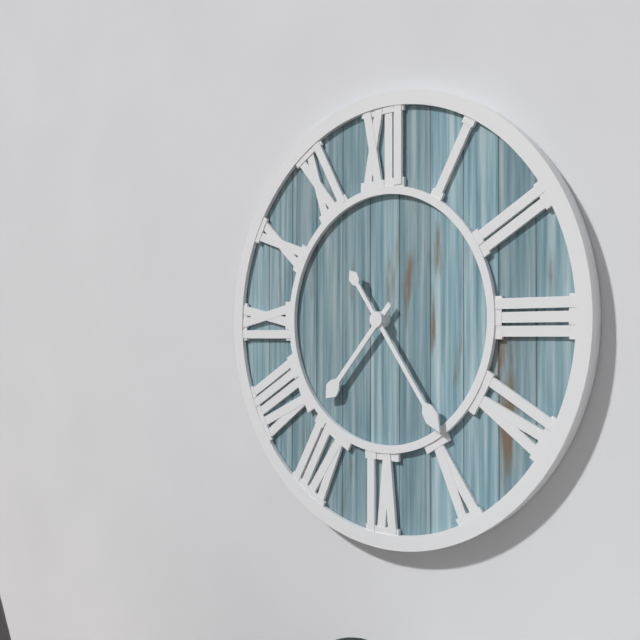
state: 7:24
